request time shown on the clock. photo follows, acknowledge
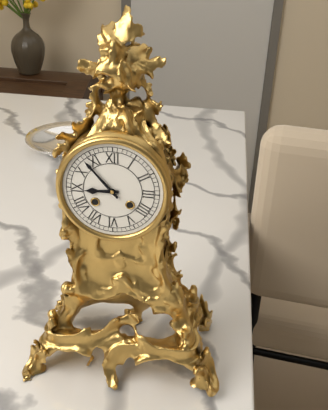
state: 8:53
